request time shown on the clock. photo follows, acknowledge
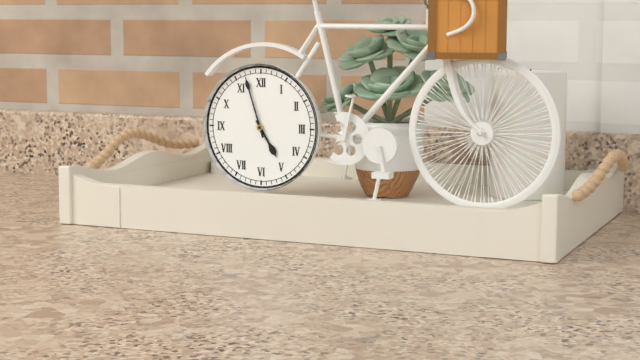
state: 4:57
